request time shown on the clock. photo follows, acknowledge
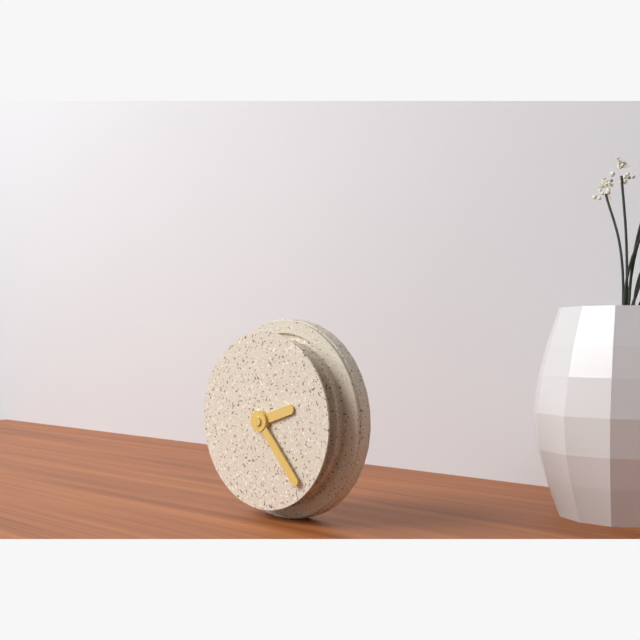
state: 2:23
